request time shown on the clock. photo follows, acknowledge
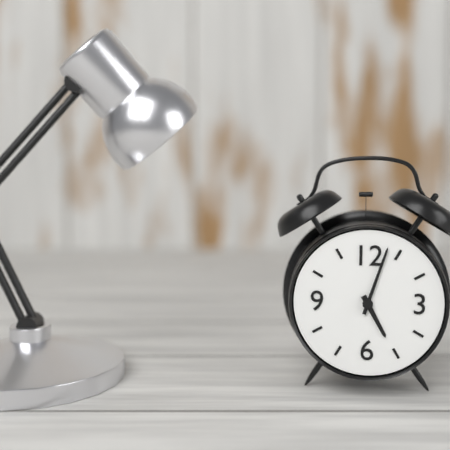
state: 5:03
